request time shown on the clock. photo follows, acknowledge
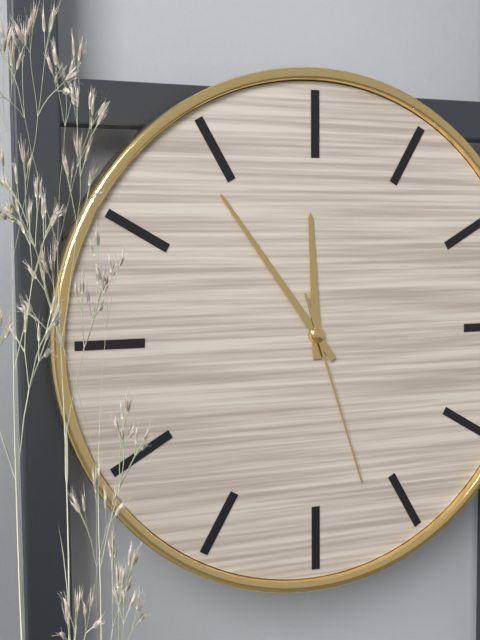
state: 11:54:27
